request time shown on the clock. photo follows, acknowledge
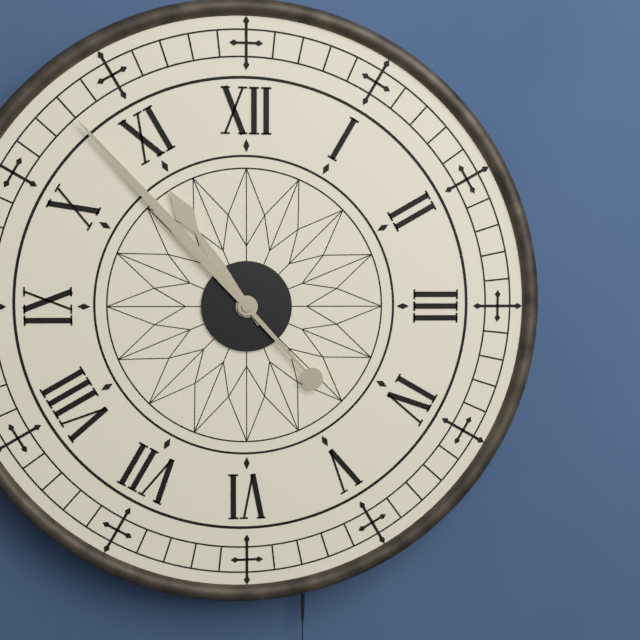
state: 10:53
